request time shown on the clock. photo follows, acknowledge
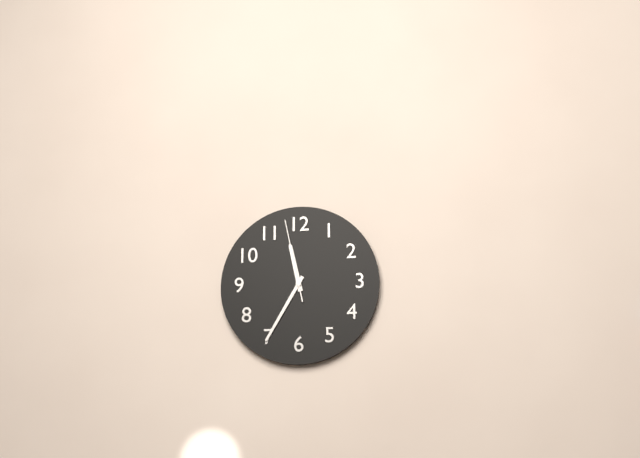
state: 11:35:58
